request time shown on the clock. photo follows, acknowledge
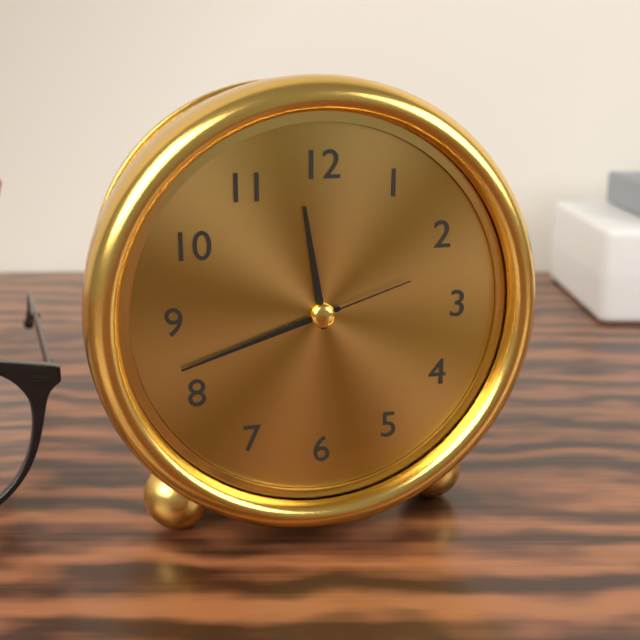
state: 11:42:12
